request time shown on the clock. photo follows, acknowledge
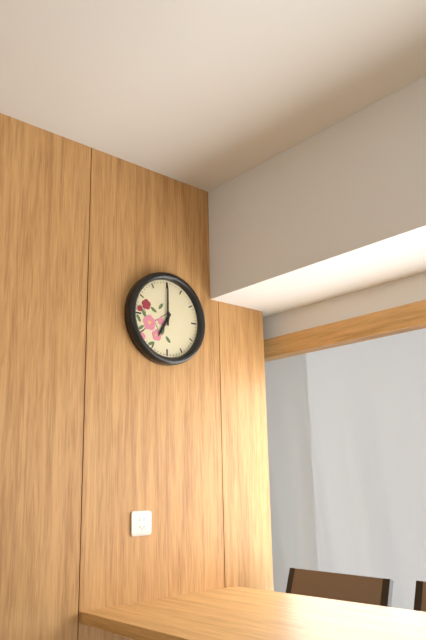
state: 7:00
